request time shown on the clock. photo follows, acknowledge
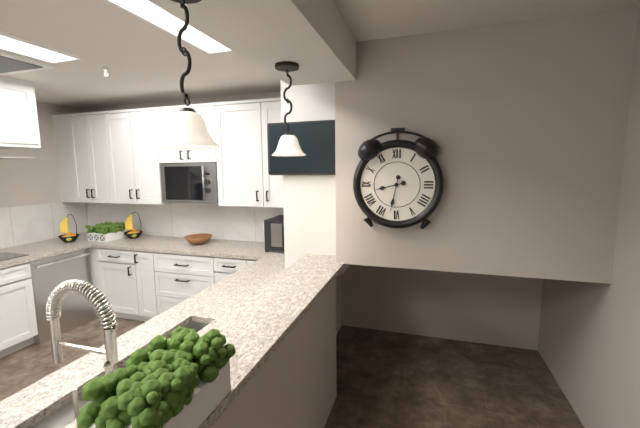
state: 8:32
